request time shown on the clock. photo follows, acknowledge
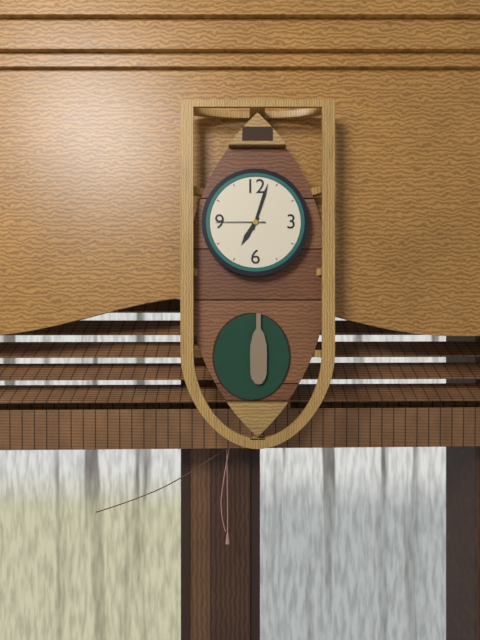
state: 7:03
